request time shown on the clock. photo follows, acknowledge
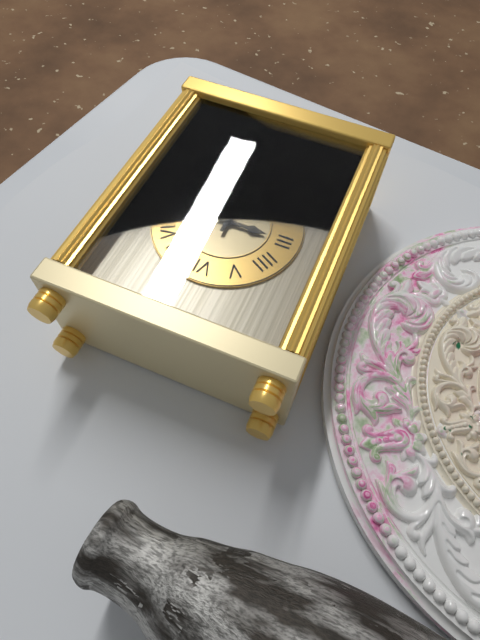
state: 3:00
